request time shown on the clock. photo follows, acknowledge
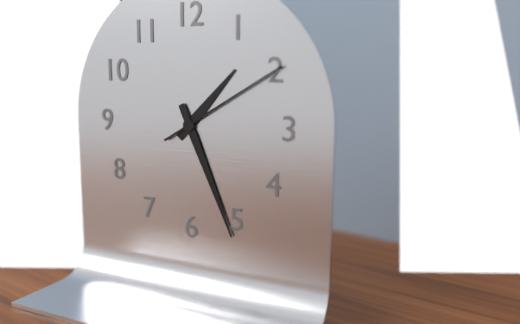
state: 1:26:10
